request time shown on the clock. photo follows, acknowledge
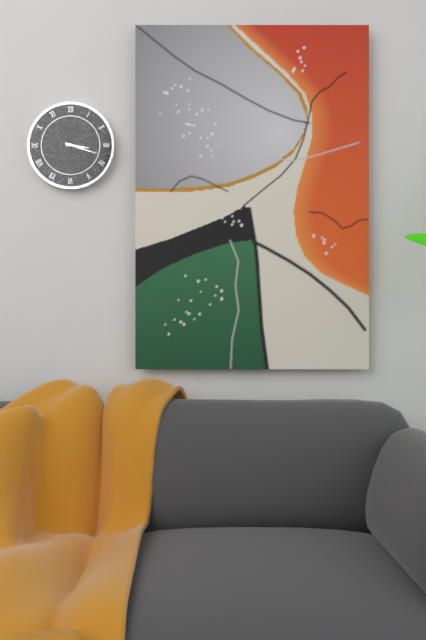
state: 3:18
